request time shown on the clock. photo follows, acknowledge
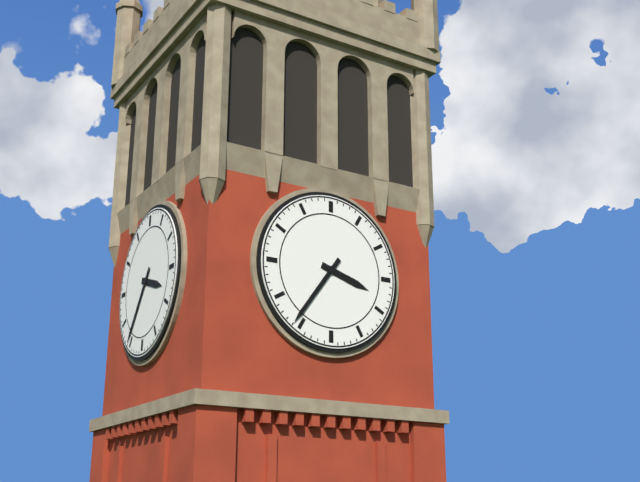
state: 3:36
